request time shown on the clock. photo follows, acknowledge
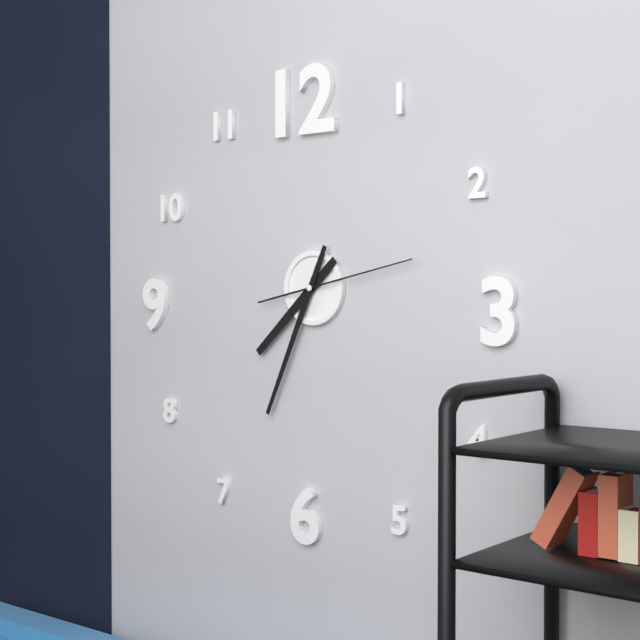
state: 7:34:13
